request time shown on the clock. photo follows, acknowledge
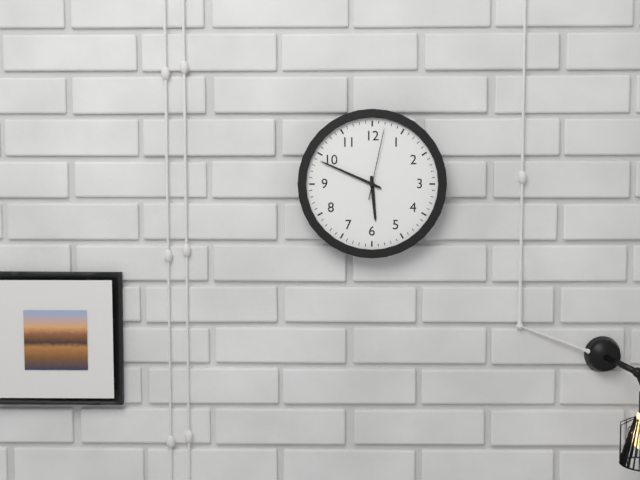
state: 5:49:02
